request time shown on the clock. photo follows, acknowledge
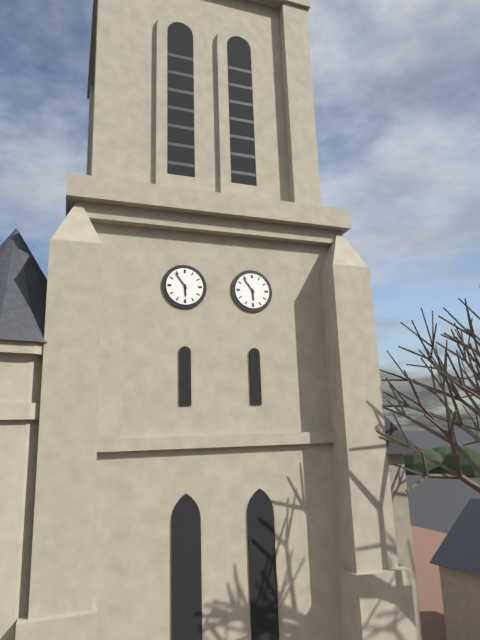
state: 5:54
